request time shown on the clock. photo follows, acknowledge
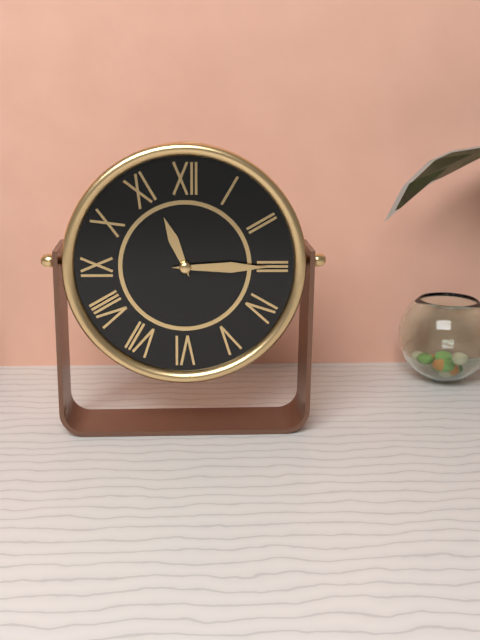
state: 11:15
